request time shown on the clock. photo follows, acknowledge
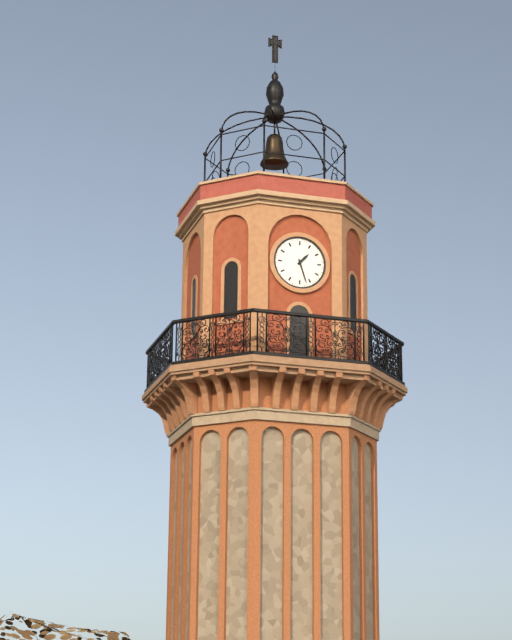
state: 1:27
